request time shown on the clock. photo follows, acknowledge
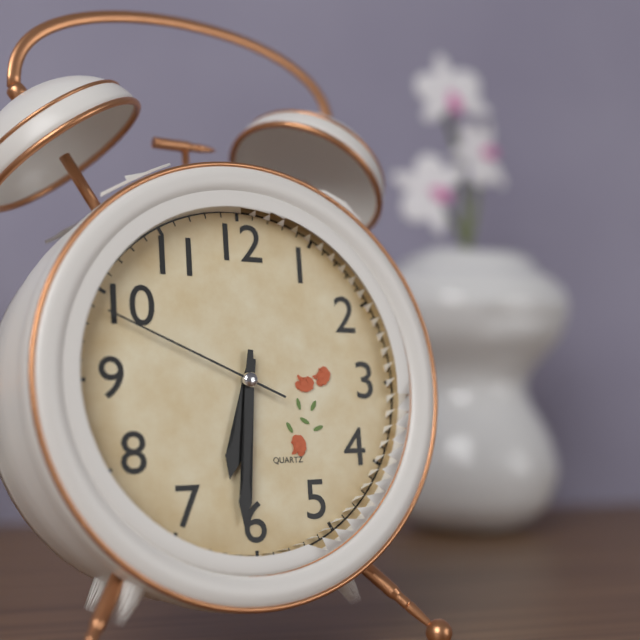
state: 6:31:49
